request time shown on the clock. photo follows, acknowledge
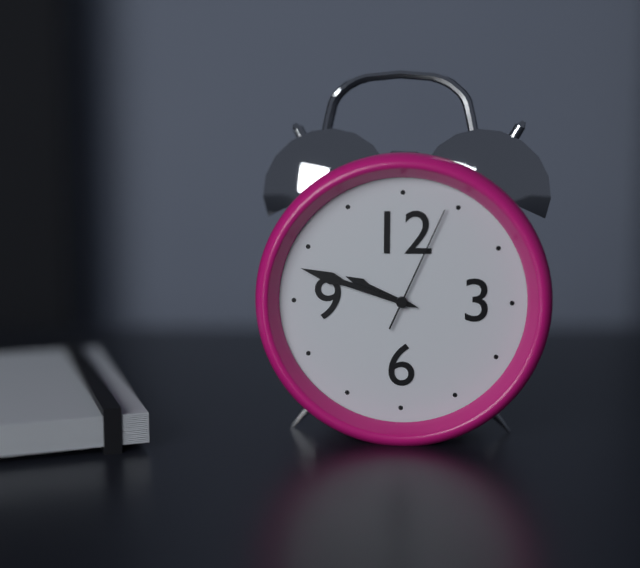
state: 9:48:04
